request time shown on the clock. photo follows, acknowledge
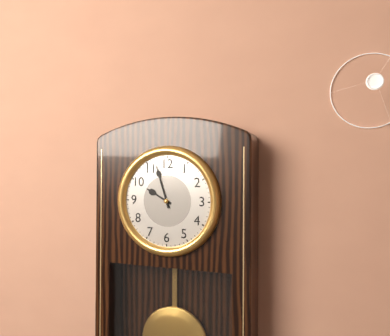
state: 9:57
